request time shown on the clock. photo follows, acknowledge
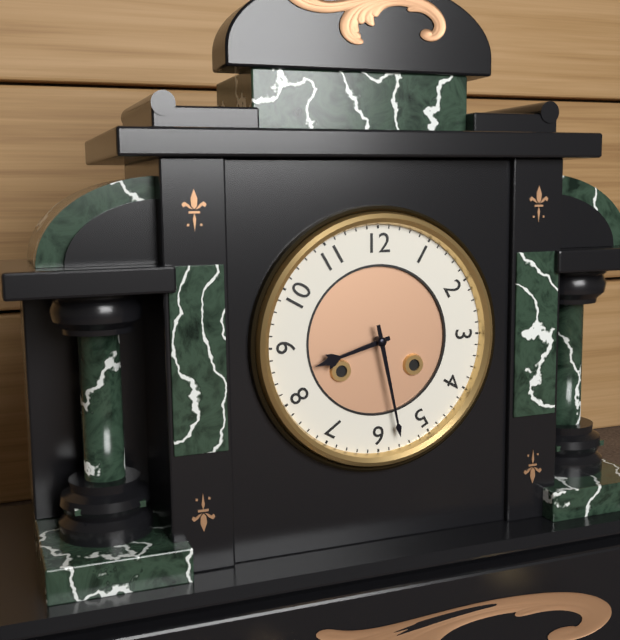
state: 8:28
